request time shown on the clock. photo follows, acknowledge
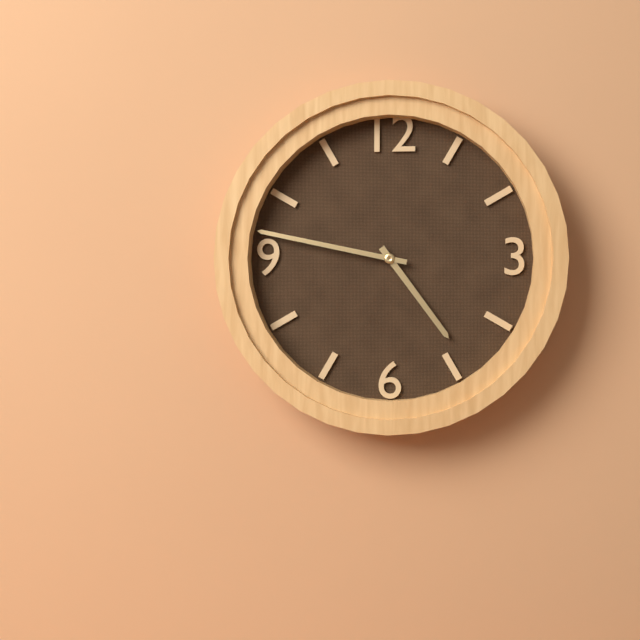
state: 4:47
